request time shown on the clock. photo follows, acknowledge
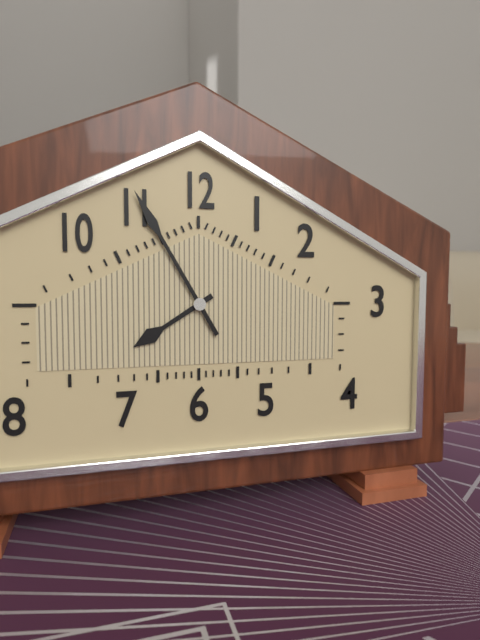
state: 7:55
